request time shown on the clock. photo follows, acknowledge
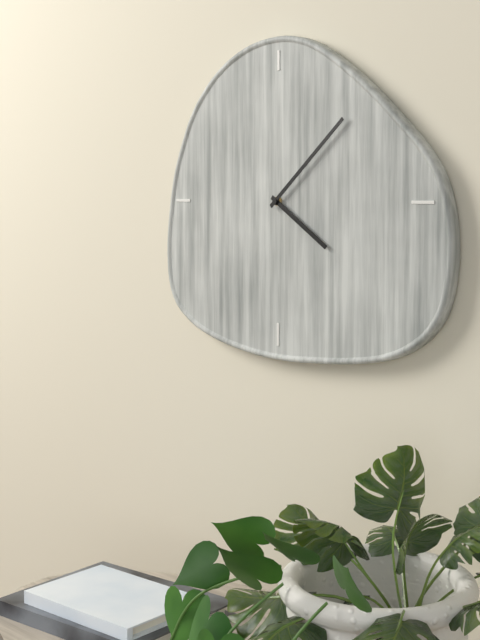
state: 4:08
